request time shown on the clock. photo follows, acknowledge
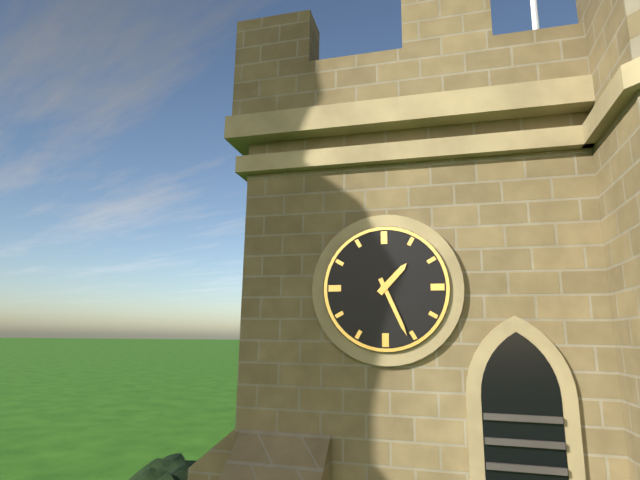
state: 1:26
